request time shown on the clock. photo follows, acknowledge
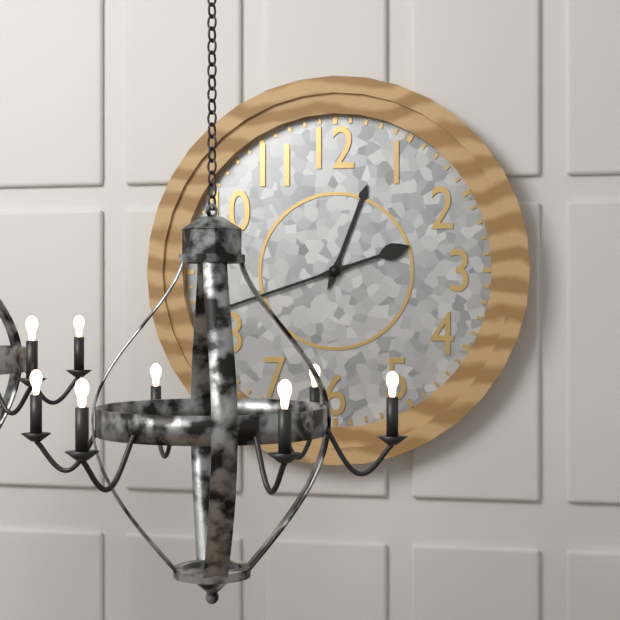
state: 12:42
